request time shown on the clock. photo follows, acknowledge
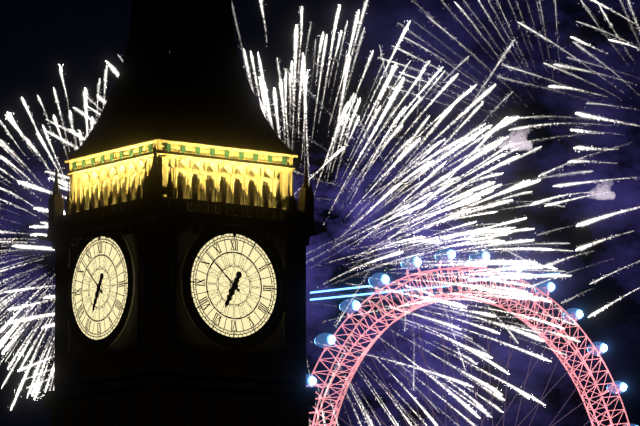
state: 6:52
